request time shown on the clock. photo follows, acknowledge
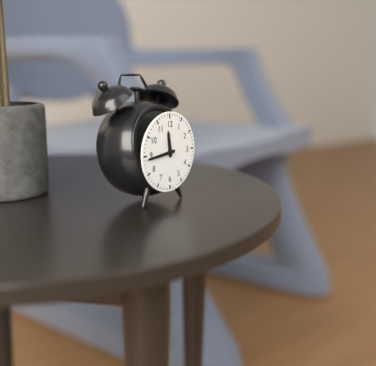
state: 11:44
